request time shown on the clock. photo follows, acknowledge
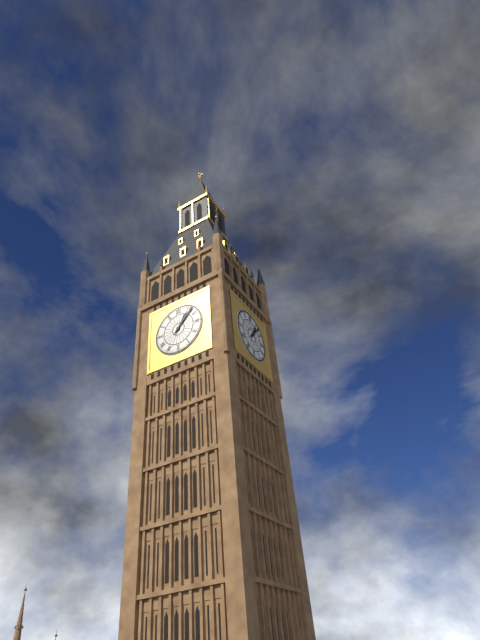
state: 1:07
